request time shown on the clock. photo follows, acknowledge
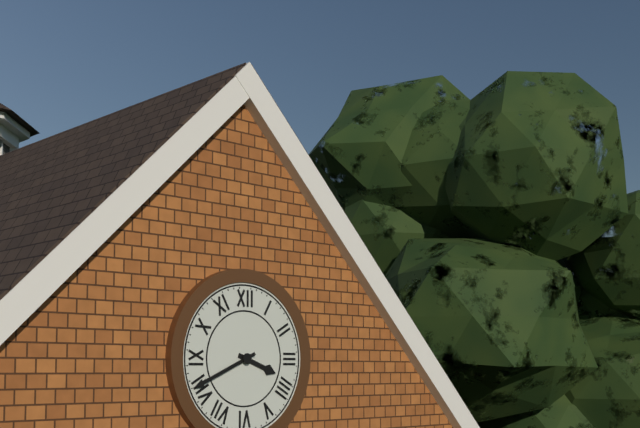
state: 3:41
